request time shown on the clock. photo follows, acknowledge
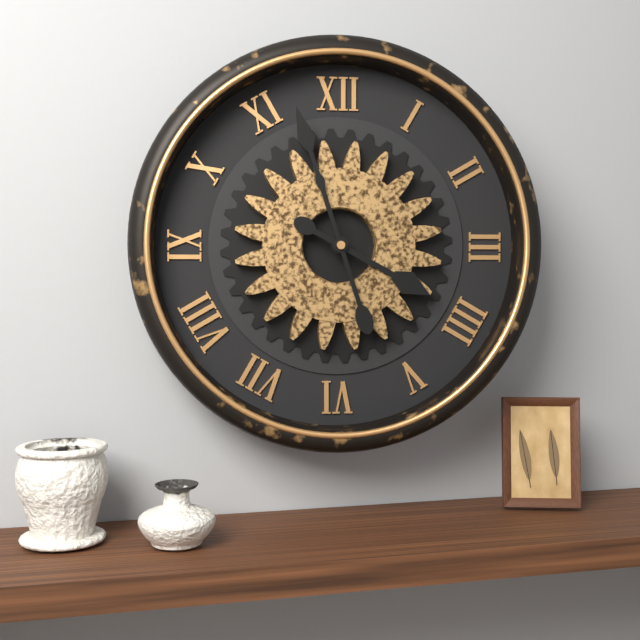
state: 3:57
